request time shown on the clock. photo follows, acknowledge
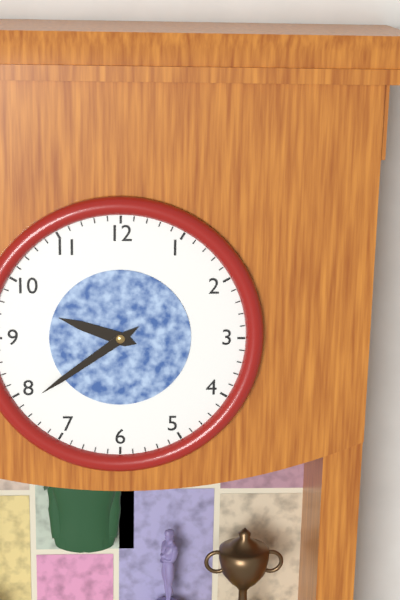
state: 9:39
